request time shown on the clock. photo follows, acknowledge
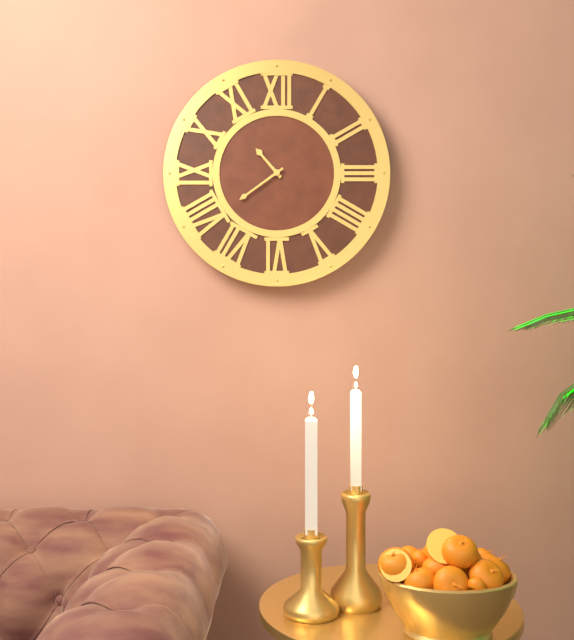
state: 10:39
